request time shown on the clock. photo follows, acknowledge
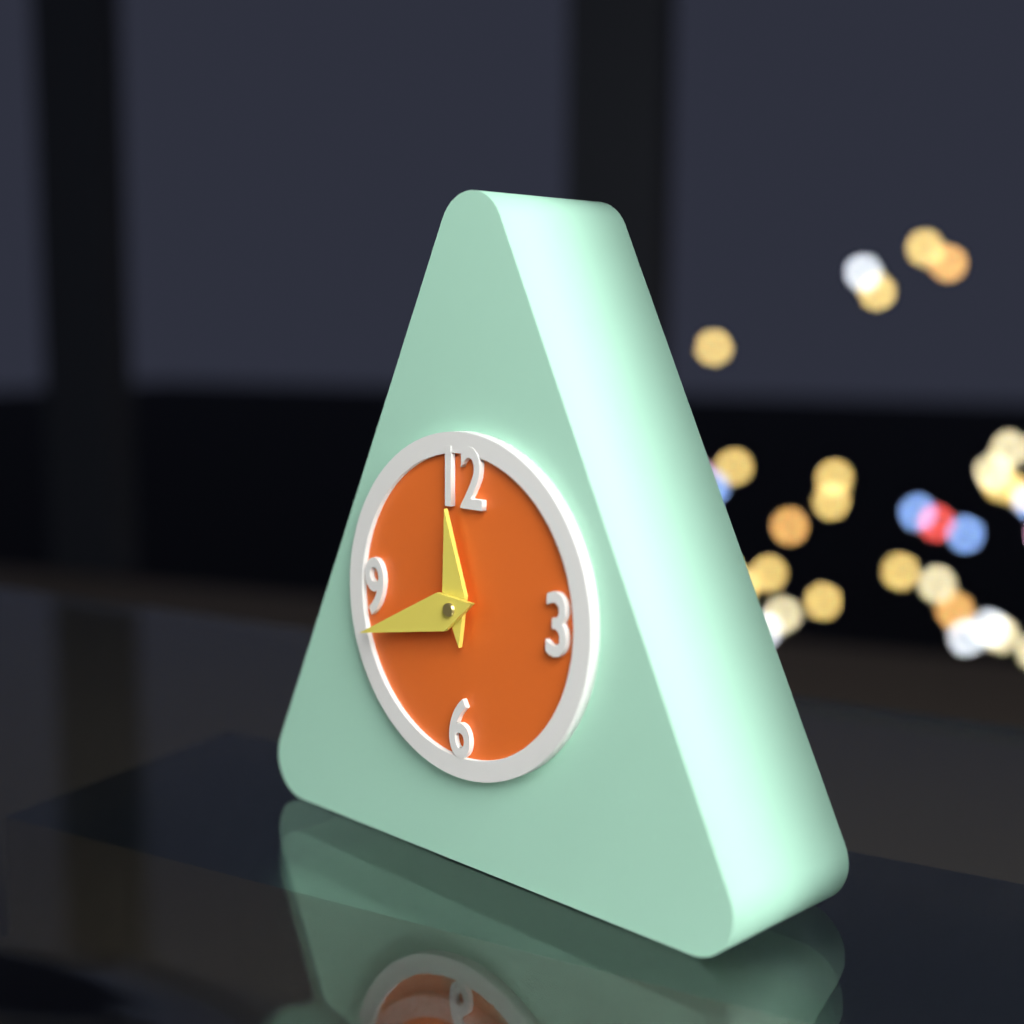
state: 11:42
